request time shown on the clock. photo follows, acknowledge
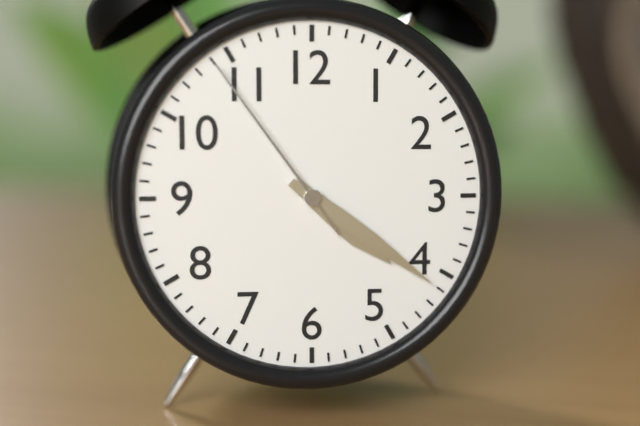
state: 4:21:54
